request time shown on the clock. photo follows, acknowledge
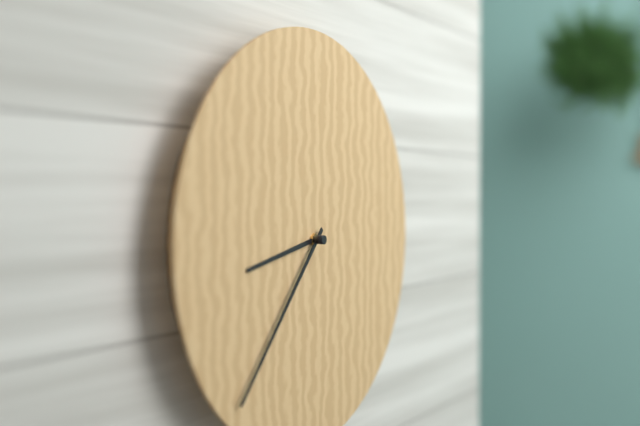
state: 8:37
